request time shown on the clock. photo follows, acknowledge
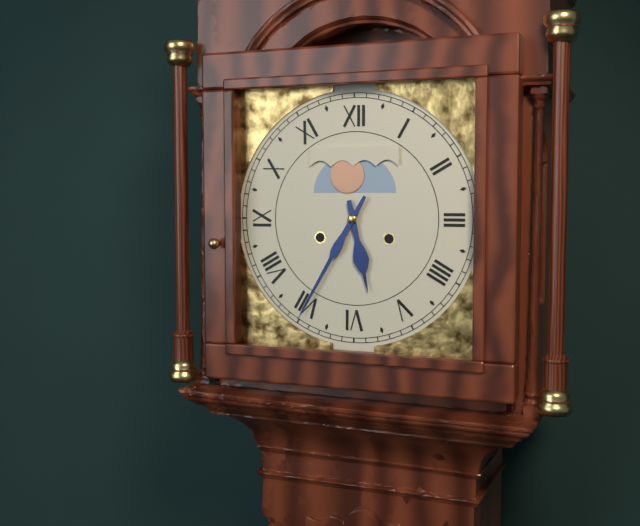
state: 5:35
